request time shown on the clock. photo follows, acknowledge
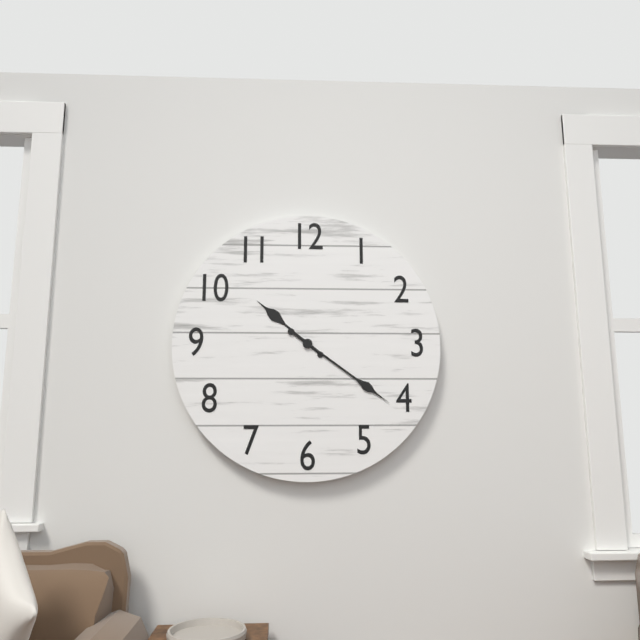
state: 10:21
